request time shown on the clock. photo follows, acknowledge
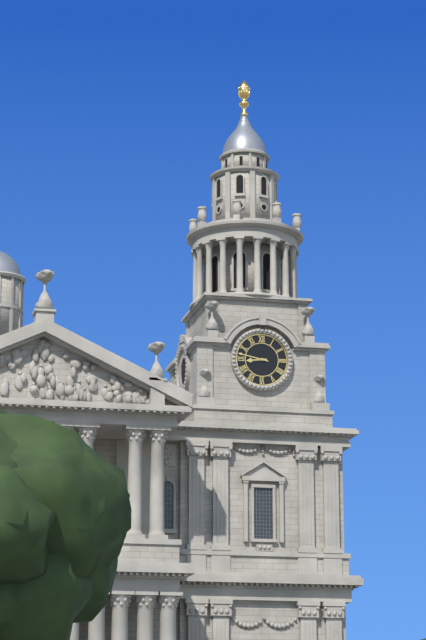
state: 8:47
